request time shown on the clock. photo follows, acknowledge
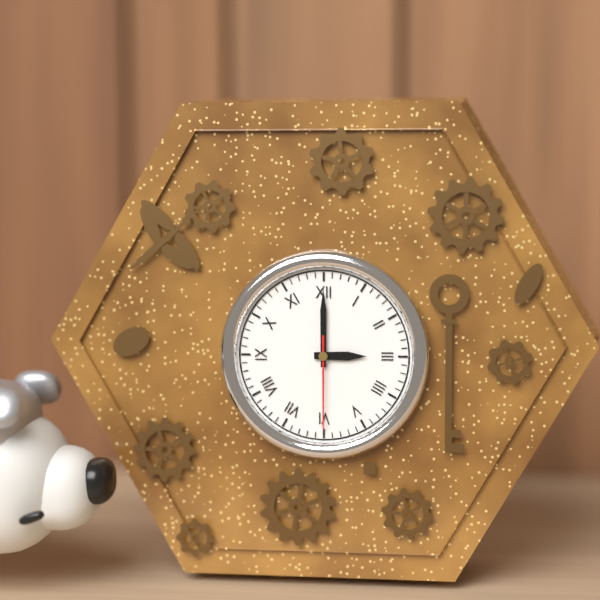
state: 3:00:30
